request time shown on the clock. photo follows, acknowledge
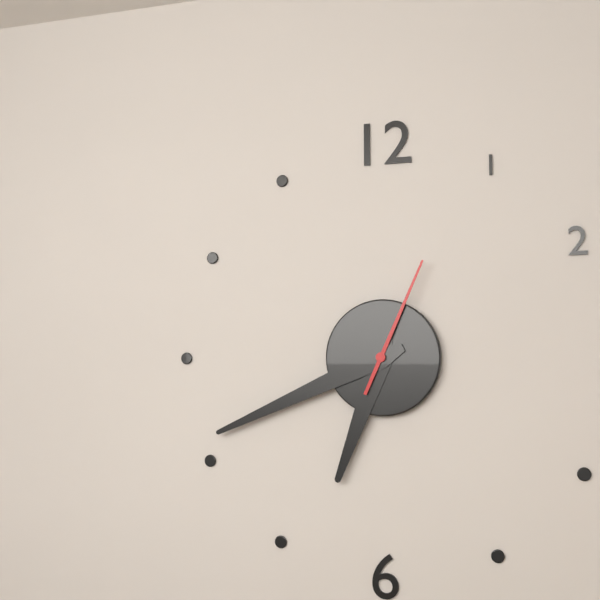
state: 6:41:04
